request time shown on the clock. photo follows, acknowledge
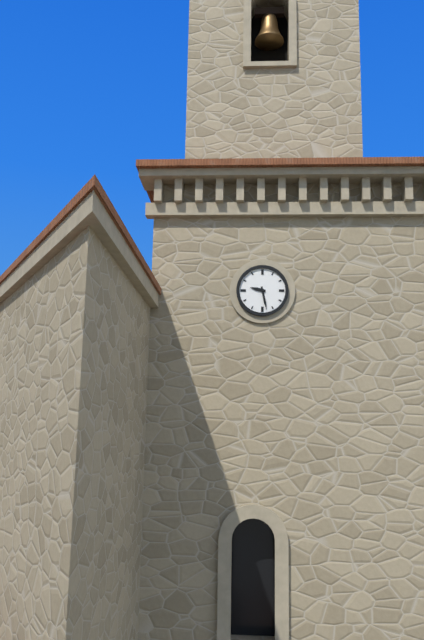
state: 9:28
